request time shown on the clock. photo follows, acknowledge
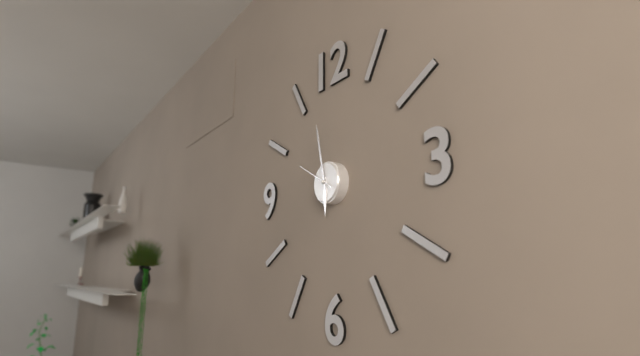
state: 5:58
